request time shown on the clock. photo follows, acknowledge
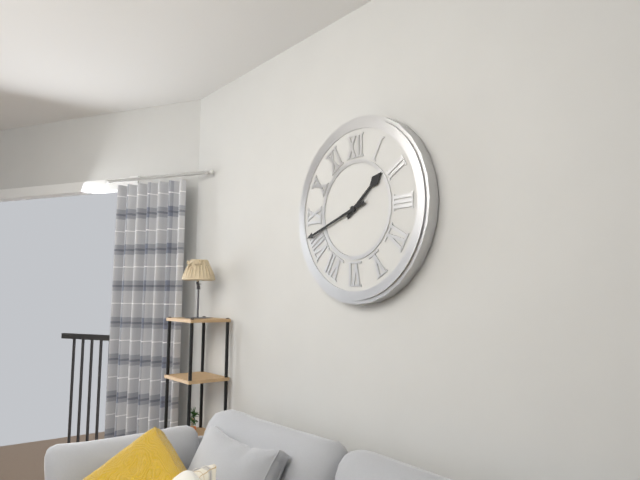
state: 1:42
